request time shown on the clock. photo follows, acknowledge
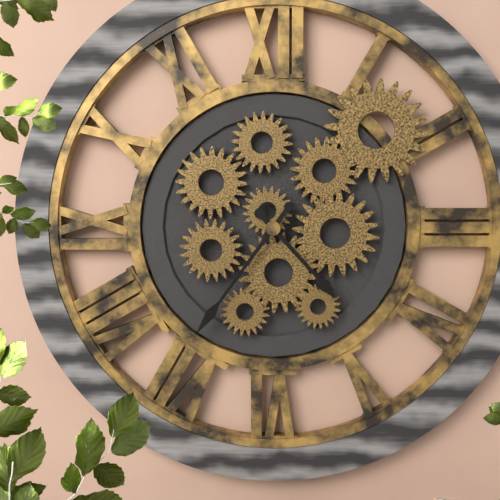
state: 4:36
